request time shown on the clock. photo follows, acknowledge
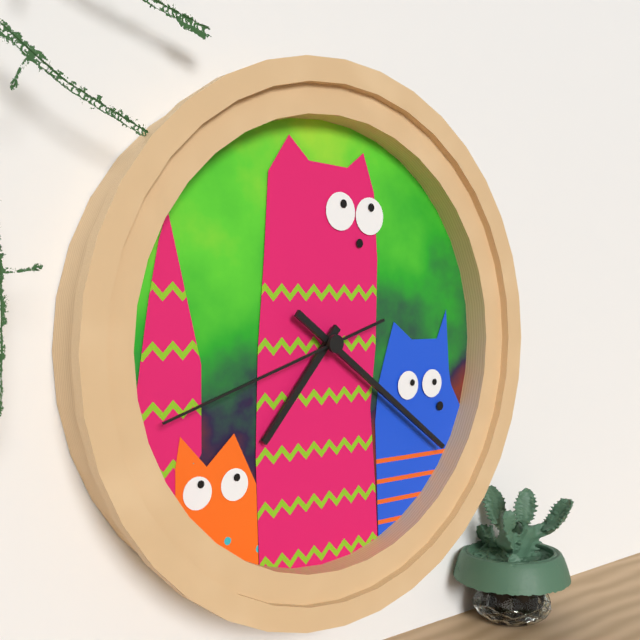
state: 7:21:42
